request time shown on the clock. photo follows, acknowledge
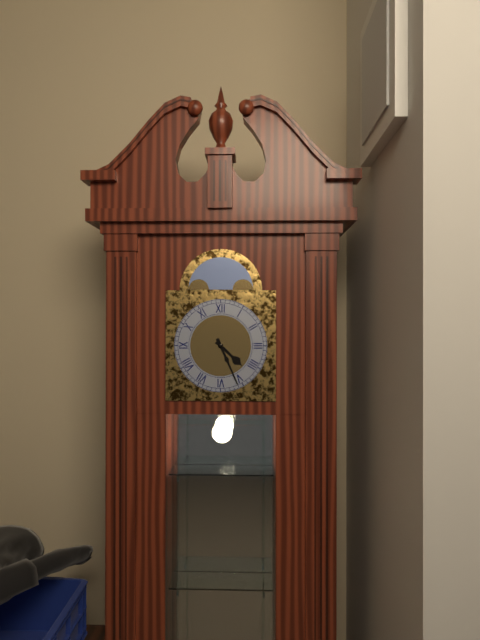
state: 4:26
